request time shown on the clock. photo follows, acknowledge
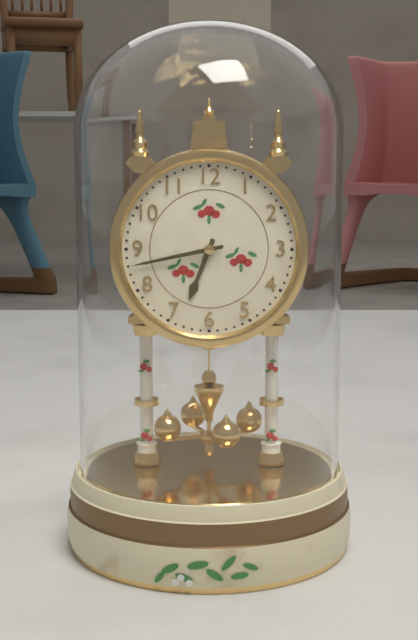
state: 6:43
